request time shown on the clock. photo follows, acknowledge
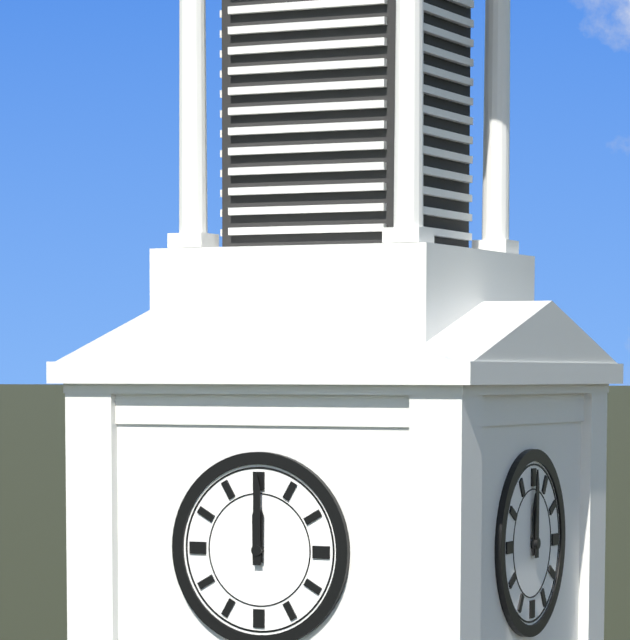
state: 12:00
